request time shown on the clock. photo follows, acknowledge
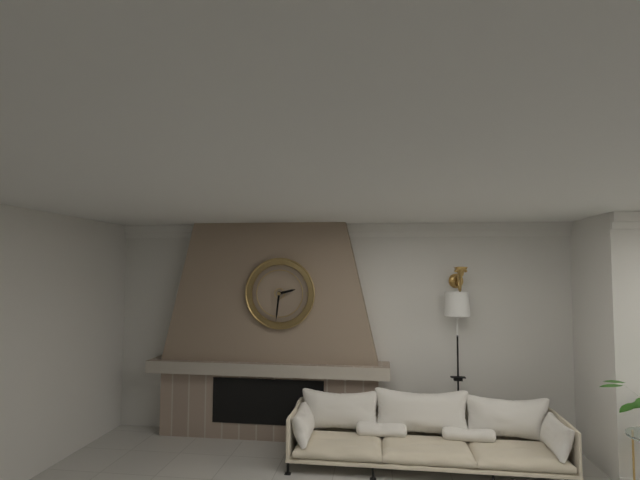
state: 2:31
